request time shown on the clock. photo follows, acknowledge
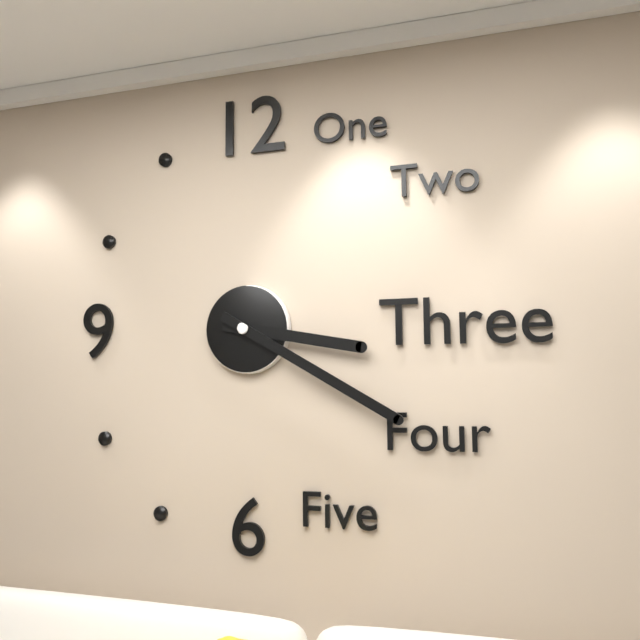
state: 3:20
